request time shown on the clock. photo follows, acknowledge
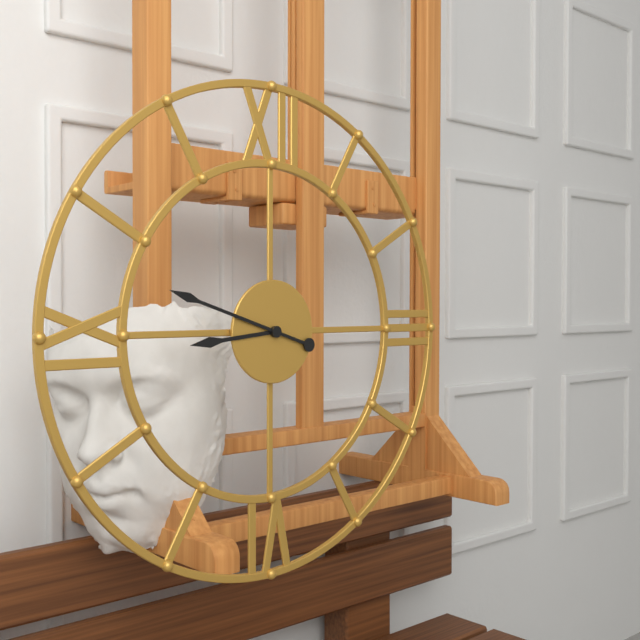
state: 8:48
